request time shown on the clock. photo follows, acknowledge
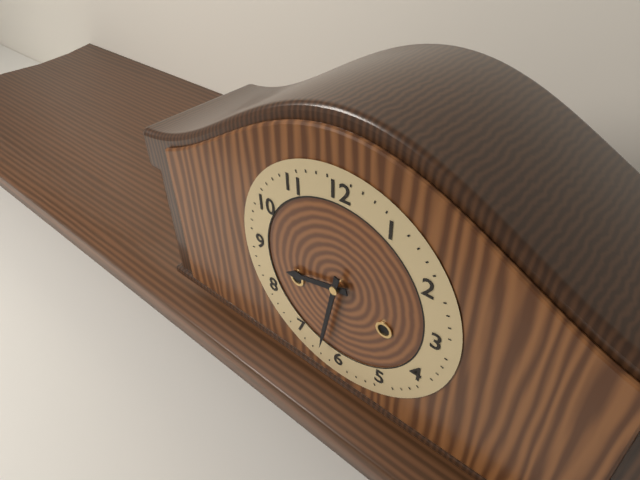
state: 8:32
